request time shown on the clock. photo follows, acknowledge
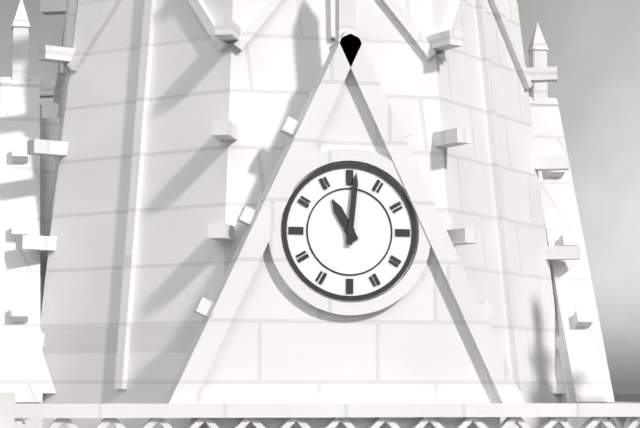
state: 11:01
